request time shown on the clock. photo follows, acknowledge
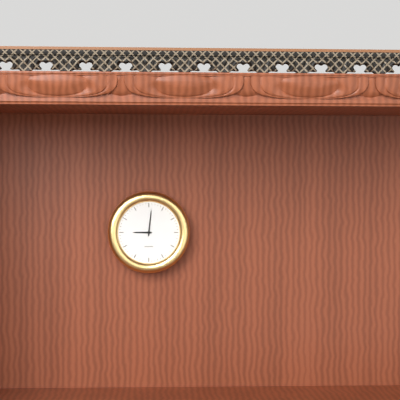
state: 9:01
